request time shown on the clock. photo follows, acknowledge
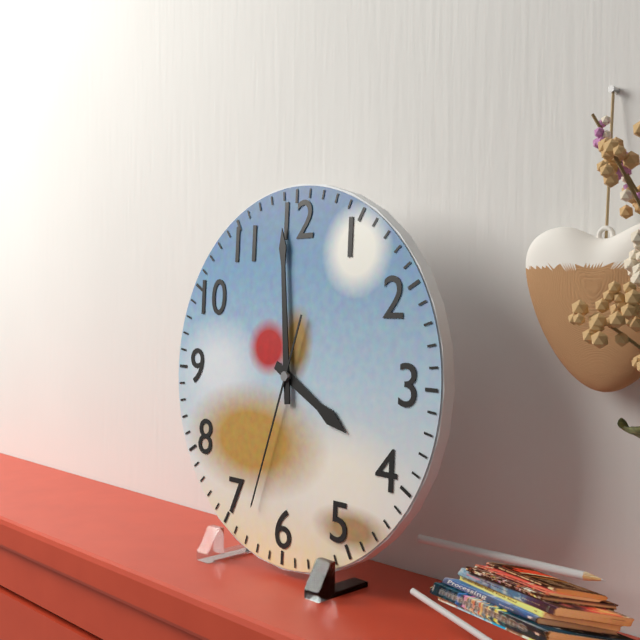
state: 3:59:33
